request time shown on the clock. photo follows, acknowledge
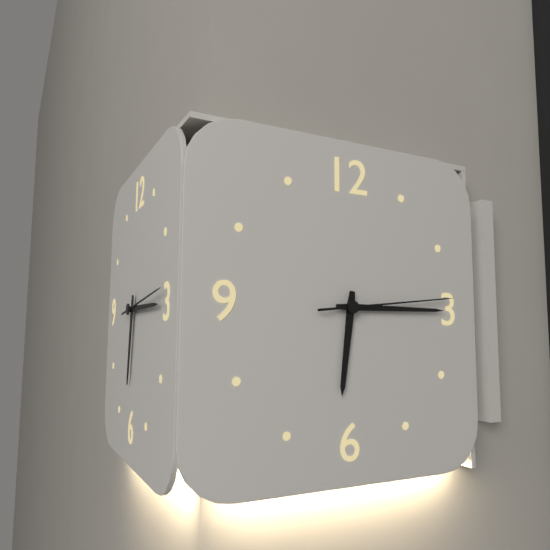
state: 6:15:14
